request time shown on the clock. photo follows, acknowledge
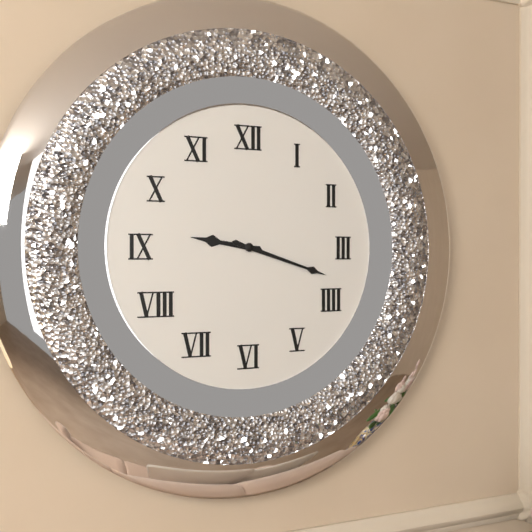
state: 9:18
